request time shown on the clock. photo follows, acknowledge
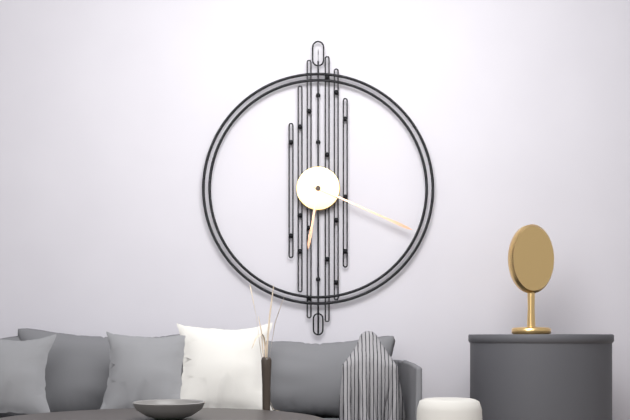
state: 6:19
